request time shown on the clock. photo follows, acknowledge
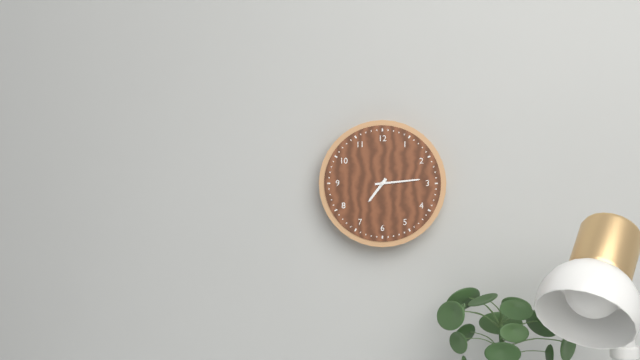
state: 7:14
